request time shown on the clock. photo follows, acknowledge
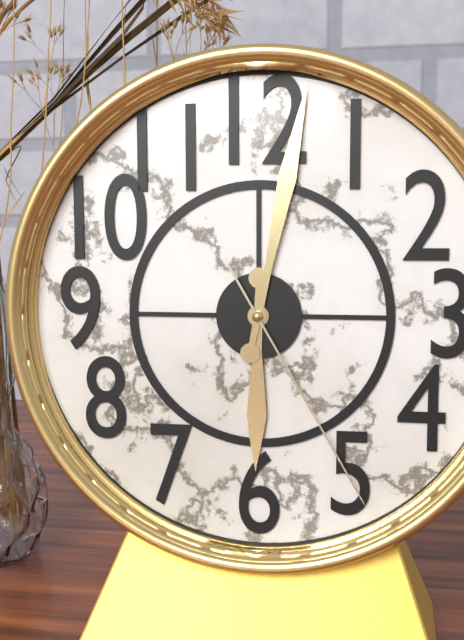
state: 6:02:25
